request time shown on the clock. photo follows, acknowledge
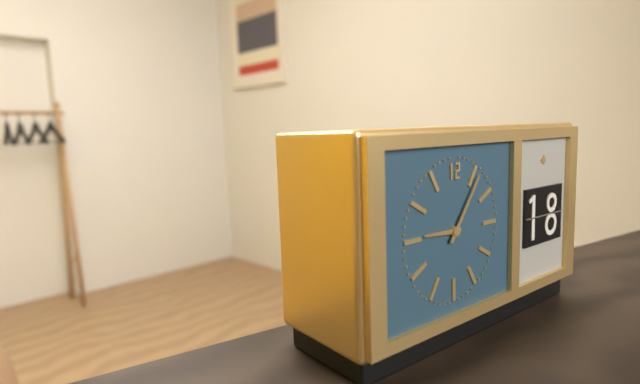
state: 9:06
